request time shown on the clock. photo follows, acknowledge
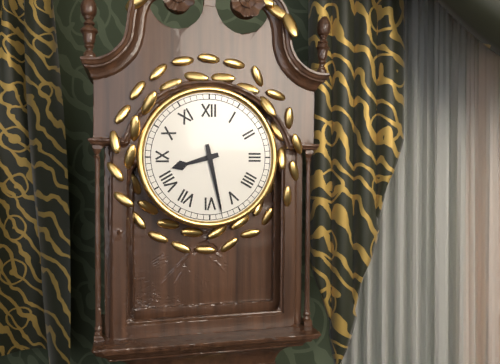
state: 8:28
